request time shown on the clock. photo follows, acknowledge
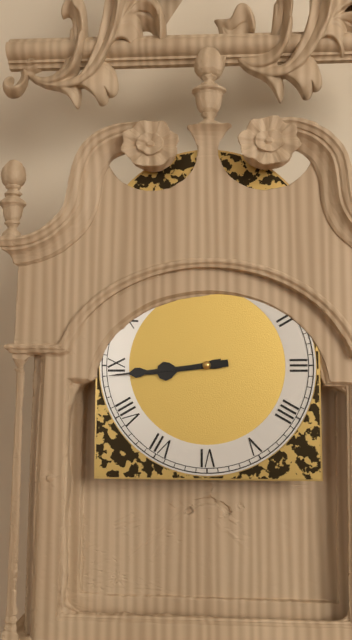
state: 8:44
